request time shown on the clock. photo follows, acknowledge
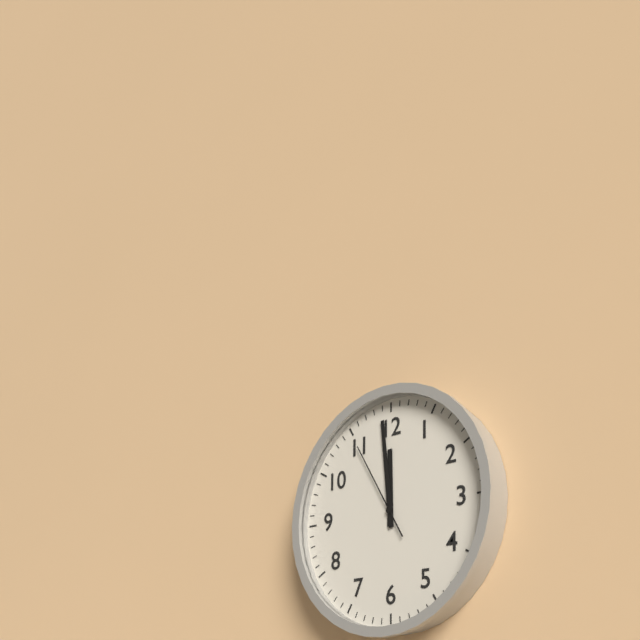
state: 11:59:55
